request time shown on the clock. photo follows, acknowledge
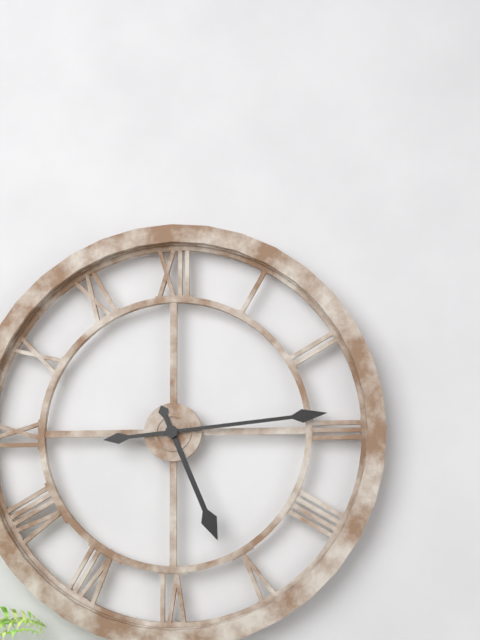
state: 5:14
